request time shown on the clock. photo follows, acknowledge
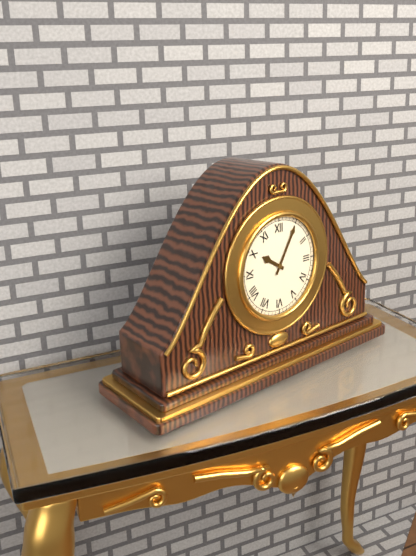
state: 10:05
